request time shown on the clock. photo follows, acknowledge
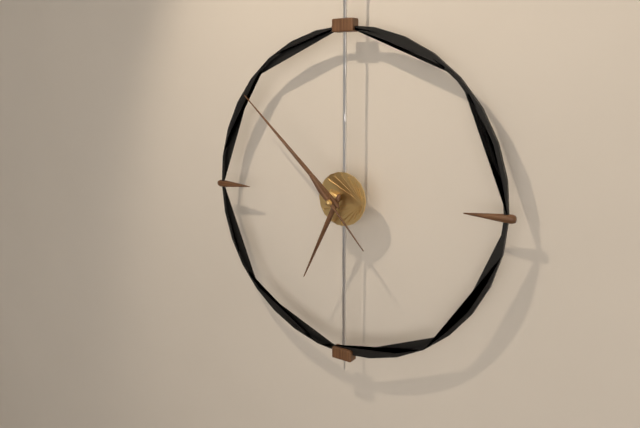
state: 6:52:23
